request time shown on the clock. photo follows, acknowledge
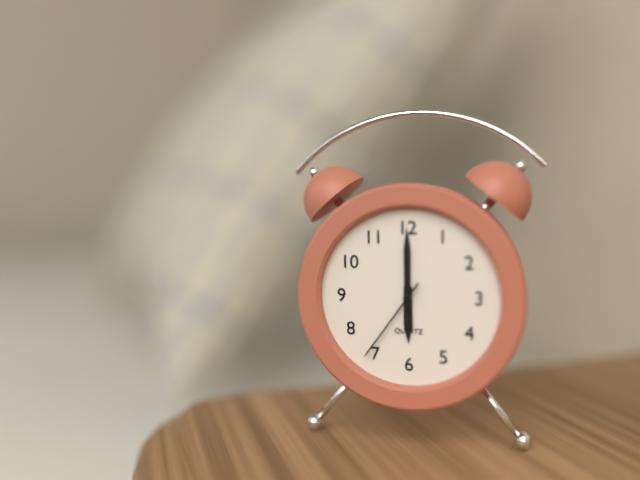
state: 6:00:36
